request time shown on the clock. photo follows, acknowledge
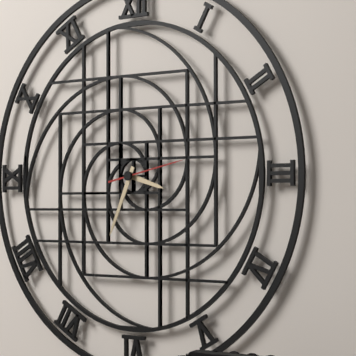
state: 3:34:13
